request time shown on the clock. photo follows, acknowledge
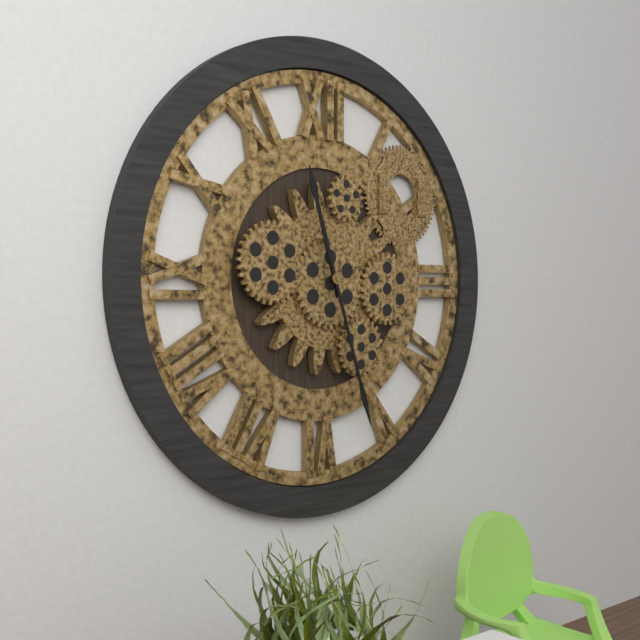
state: 11:27
